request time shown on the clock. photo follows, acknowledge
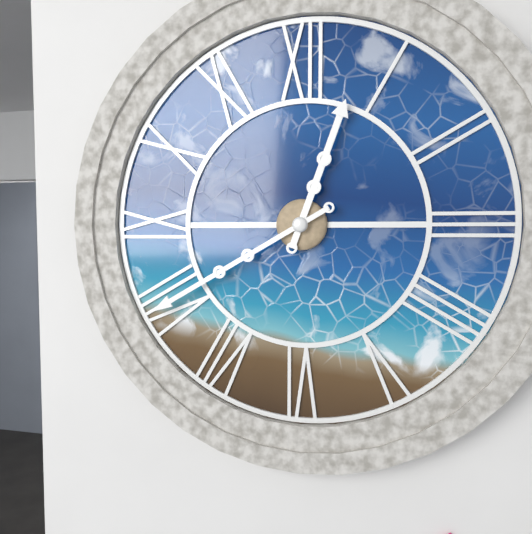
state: 12:40
